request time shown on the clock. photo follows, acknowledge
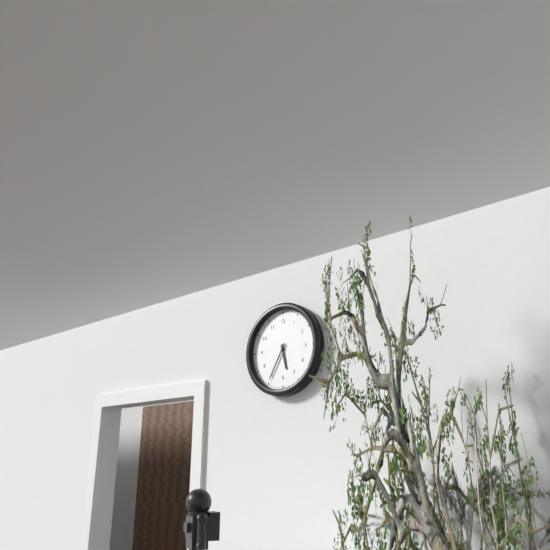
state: 5:35
